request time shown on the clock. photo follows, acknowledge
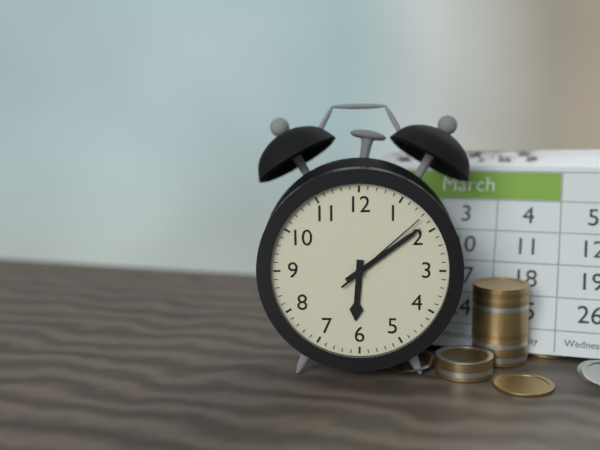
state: 6:09:08
